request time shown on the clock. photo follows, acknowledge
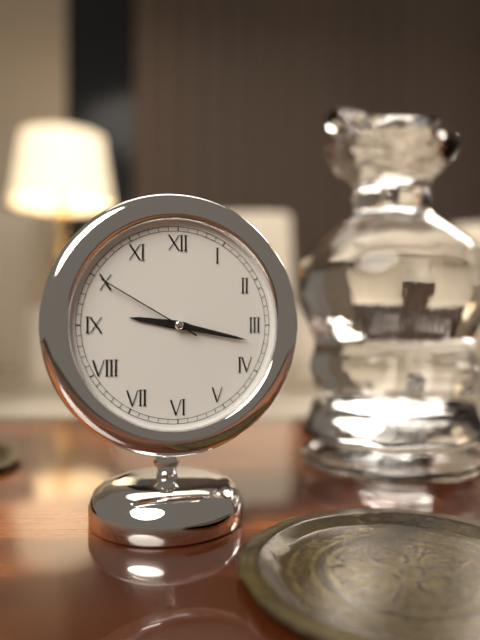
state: 9:17:50
